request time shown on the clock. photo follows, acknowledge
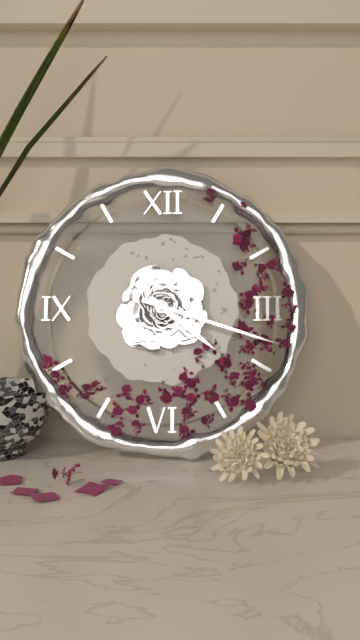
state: 4:18
